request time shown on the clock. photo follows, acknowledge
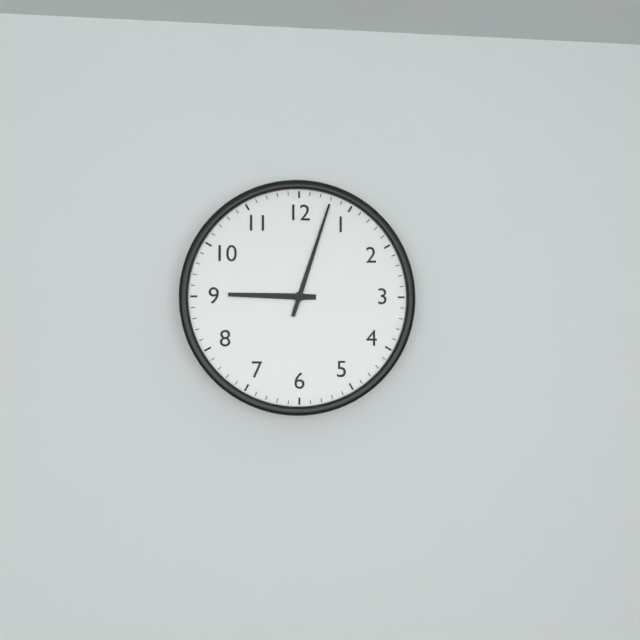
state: 9:03
